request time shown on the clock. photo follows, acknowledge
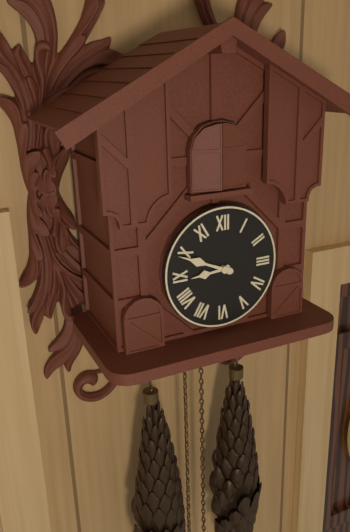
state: 8:49
